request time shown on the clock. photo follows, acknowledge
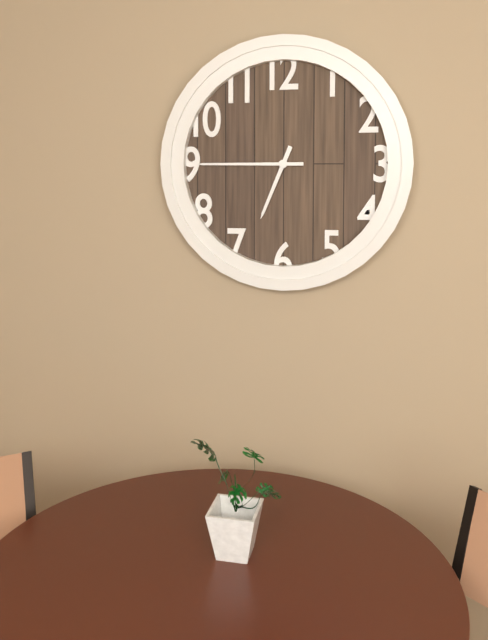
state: 6:45
